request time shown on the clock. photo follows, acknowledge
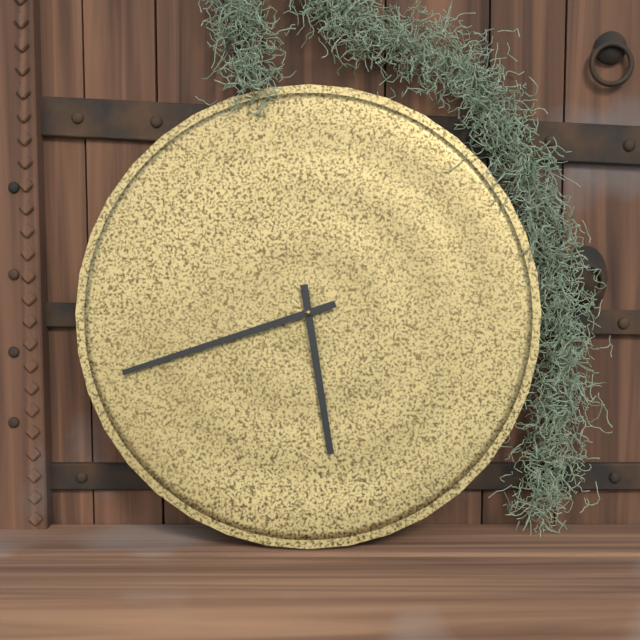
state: 5:42
